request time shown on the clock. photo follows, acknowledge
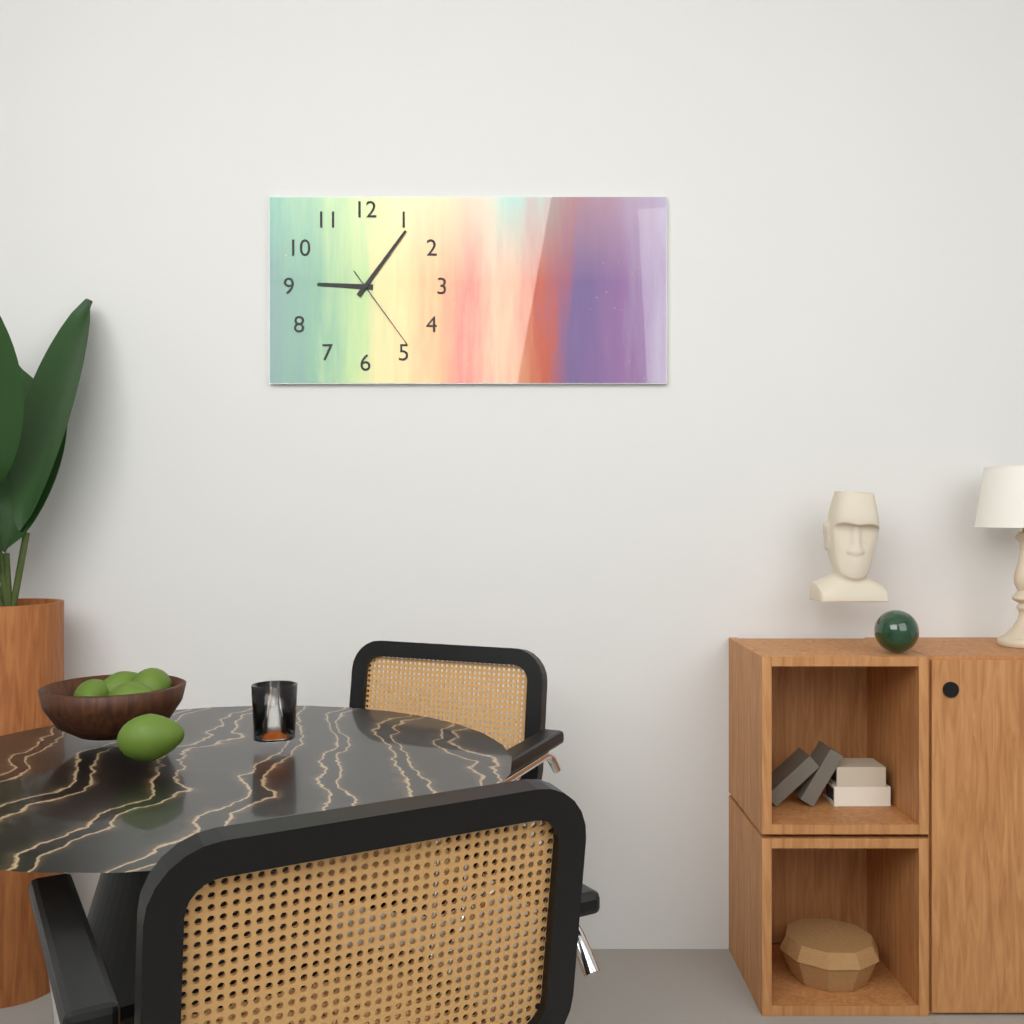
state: 9:06:24
